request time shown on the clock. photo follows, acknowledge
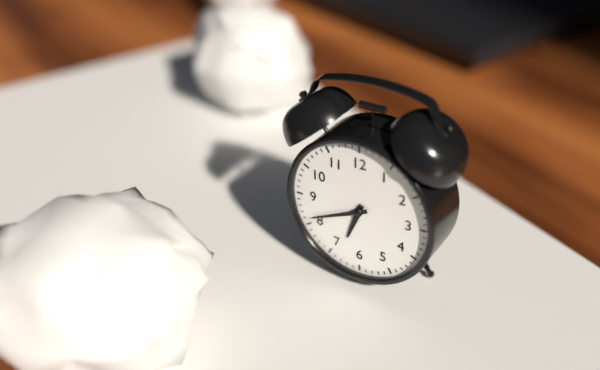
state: 6:41
